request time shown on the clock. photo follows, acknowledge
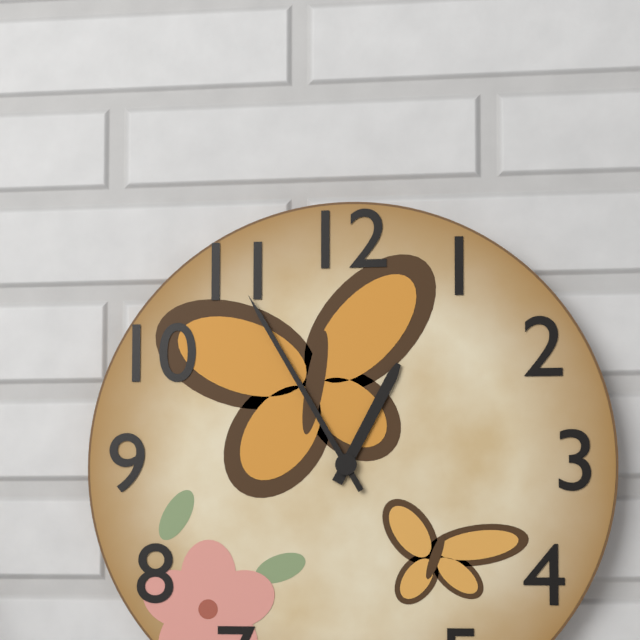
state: 12:55
